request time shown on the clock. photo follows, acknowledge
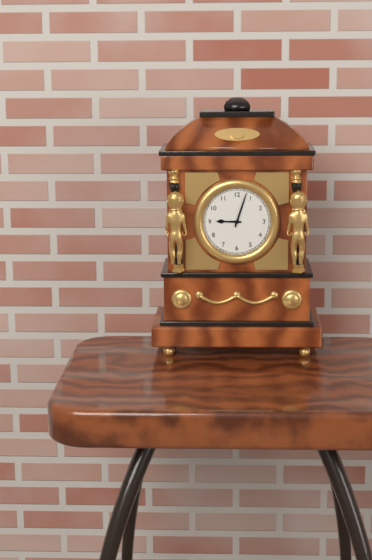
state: 9:03
